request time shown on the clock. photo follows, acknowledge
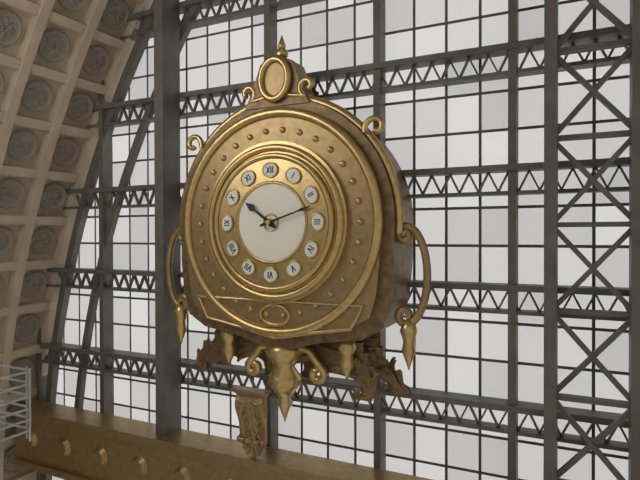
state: 10:12
